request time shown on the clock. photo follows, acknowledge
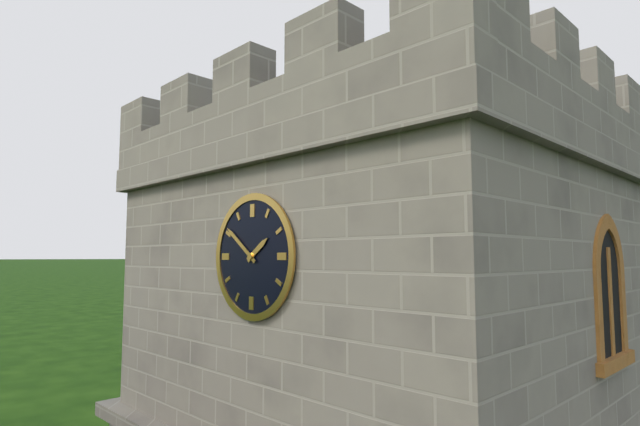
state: 1:51
